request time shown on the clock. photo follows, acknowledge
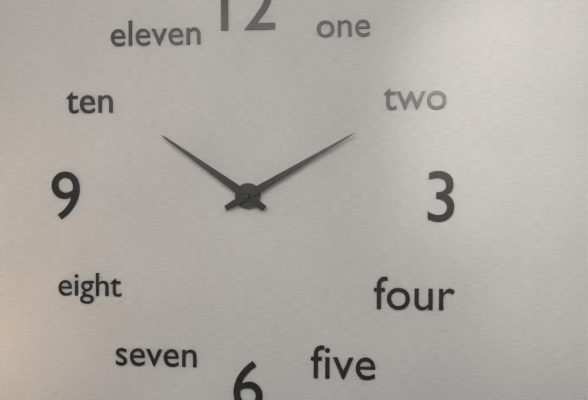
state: 10:10
